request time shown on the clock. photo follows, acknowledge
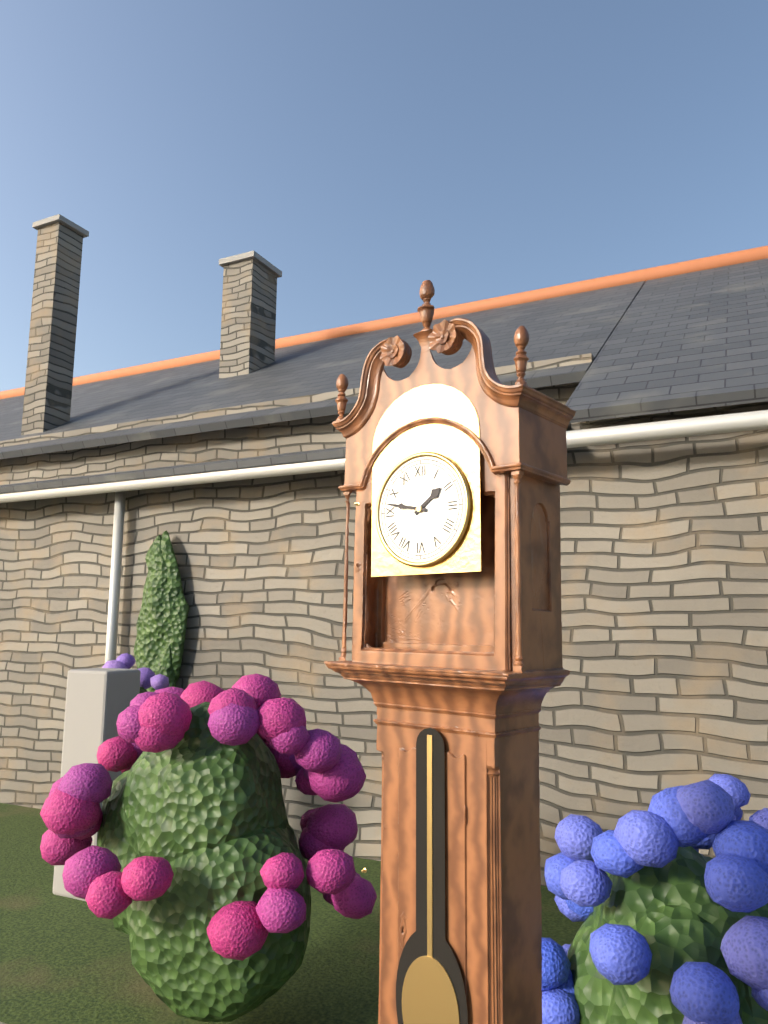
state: 1:47
